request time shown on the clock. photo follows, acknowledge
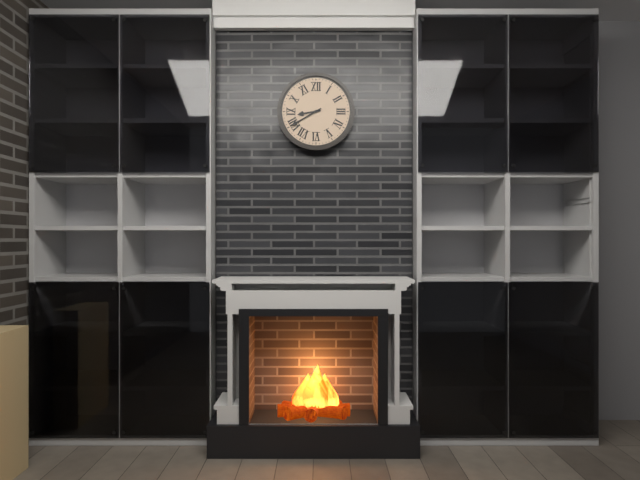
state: 8:40
